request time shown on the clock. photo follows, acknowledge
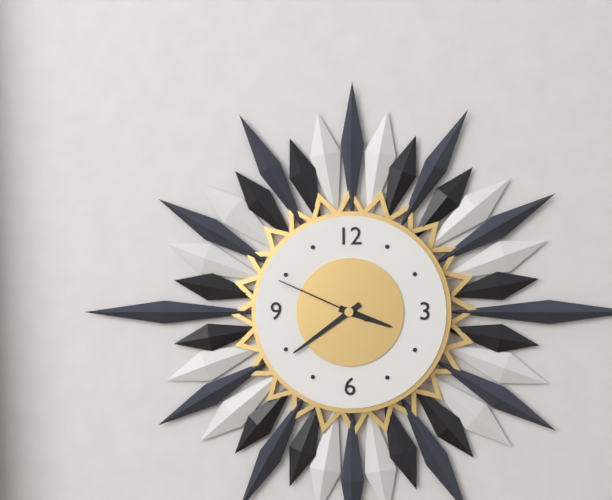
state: 3:39:49
